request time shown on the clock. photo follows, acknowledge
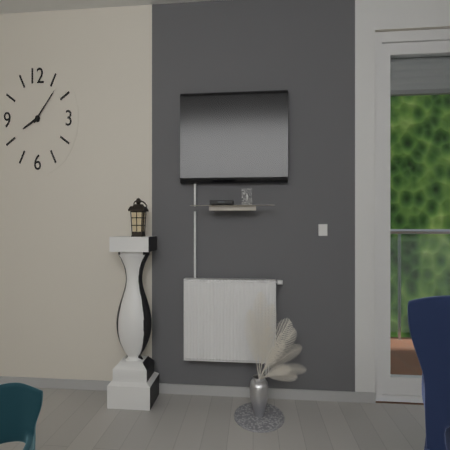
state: 8:07
